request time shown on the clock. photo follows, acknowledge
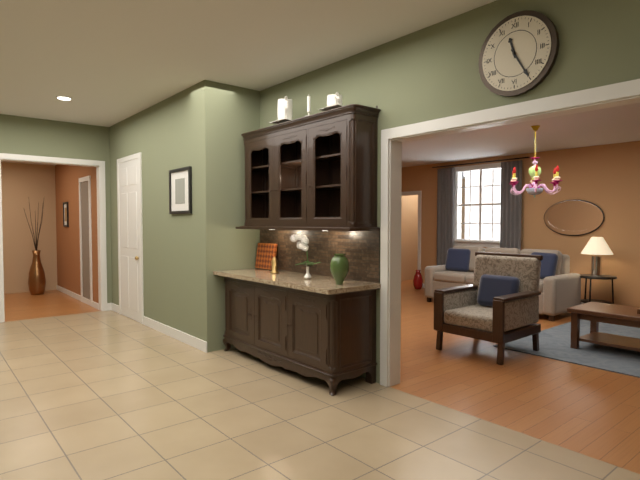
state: 11:25
